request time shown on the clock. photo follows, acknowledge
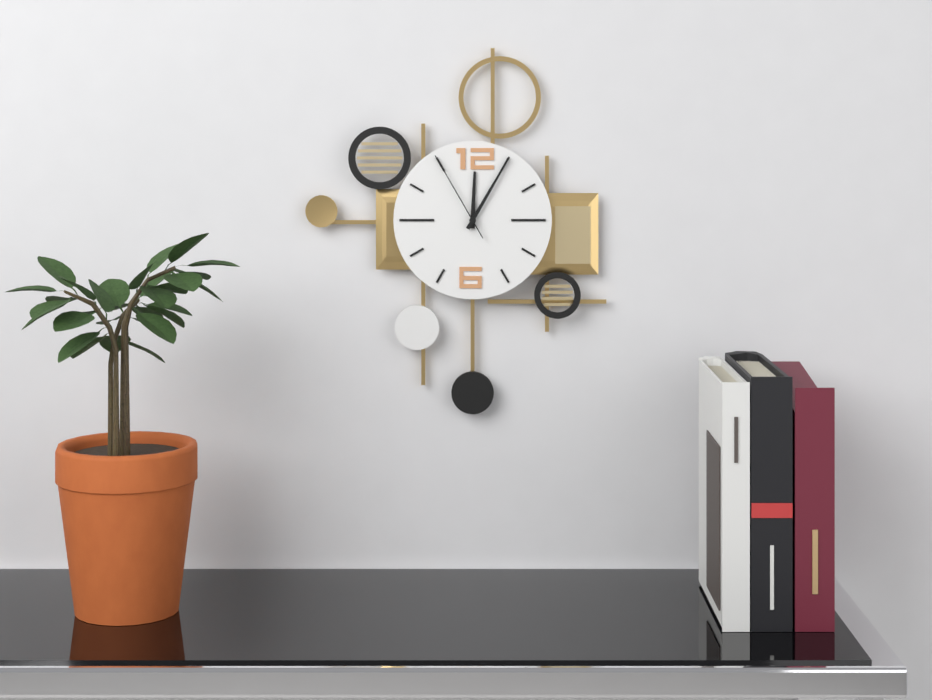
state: 12:05:55
